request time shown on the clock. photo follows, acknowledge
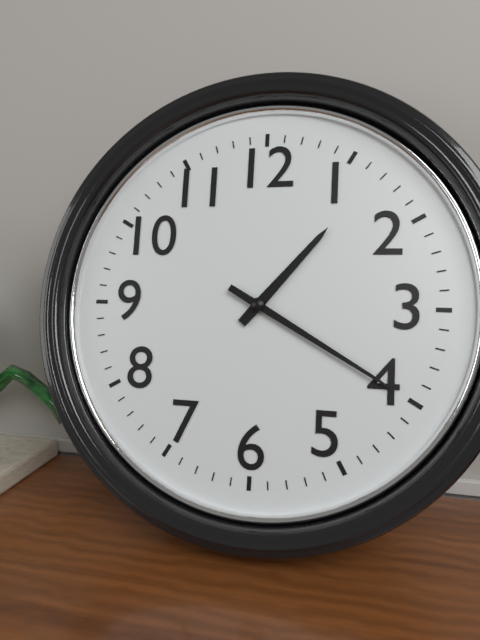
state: 1:20
